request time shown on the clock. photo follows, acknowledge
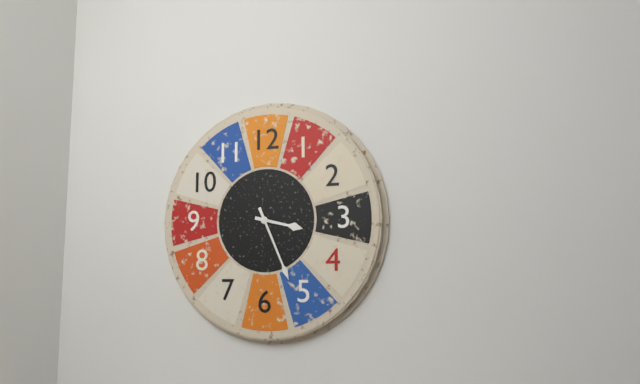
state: 3:26
